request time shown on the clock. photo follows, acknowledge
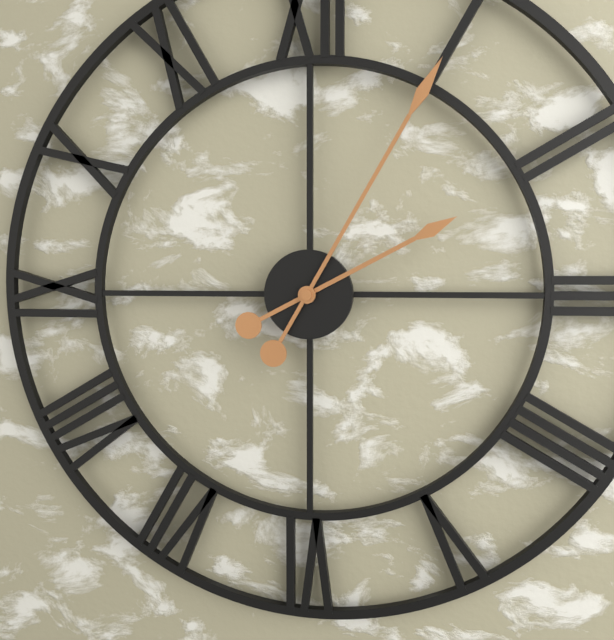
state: 2:05
